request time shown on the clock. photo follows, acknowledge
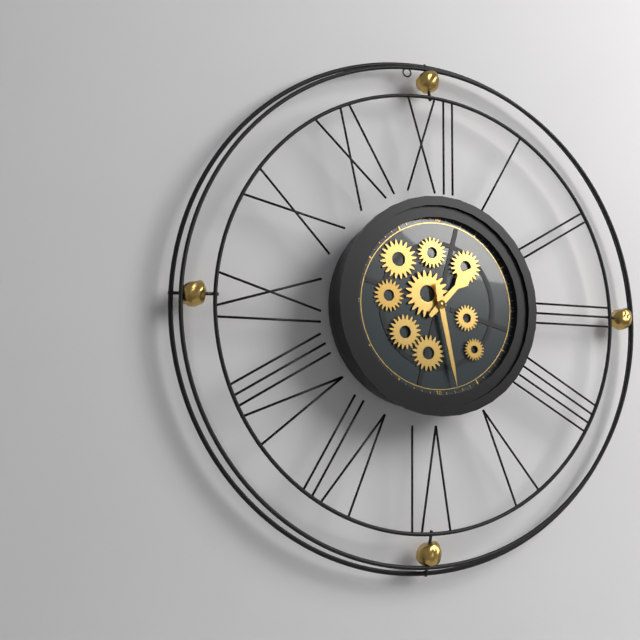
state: 1:28
